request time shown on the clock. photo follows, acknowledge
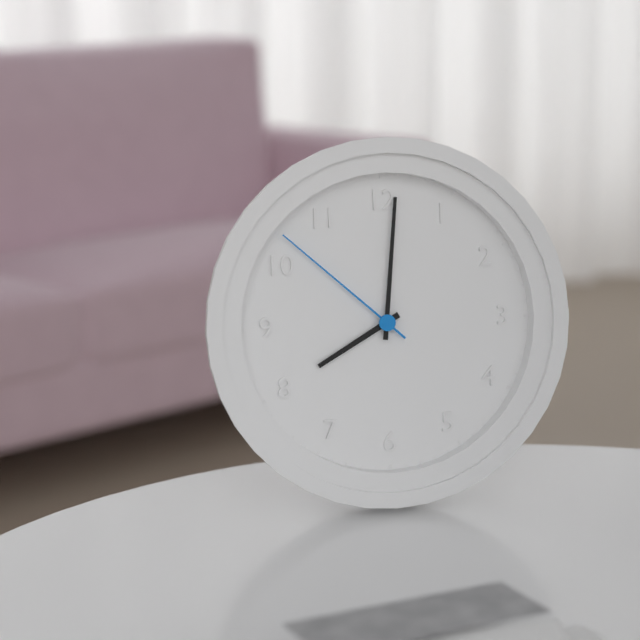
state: 8:01:52
